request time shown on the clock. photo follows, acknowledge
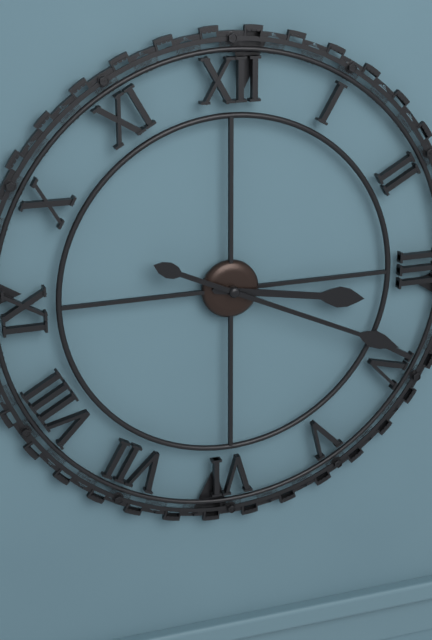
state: 3:19
